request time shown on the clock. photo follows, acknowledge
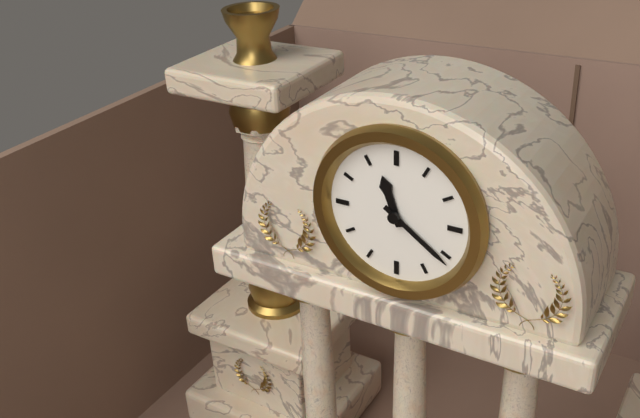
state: 11:21
